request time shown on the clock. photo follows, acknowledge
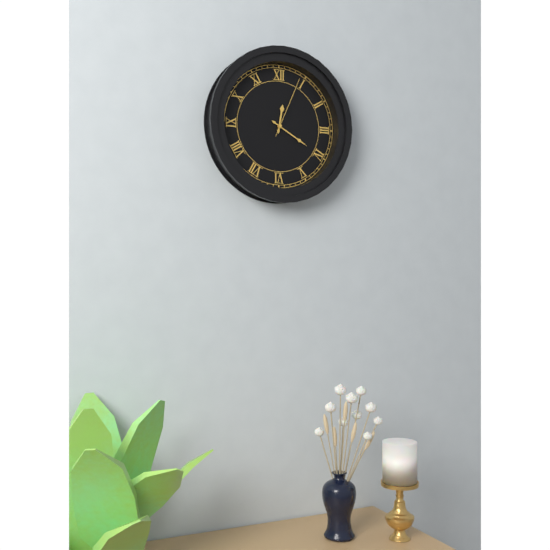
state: 12:20:04
